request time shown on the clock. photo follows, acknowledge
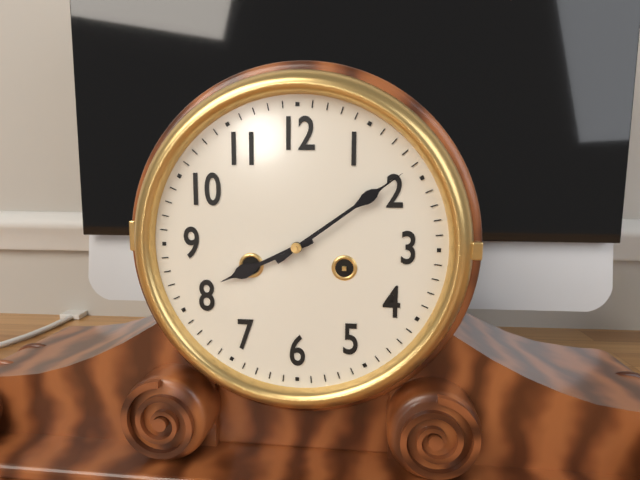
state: 8:09
